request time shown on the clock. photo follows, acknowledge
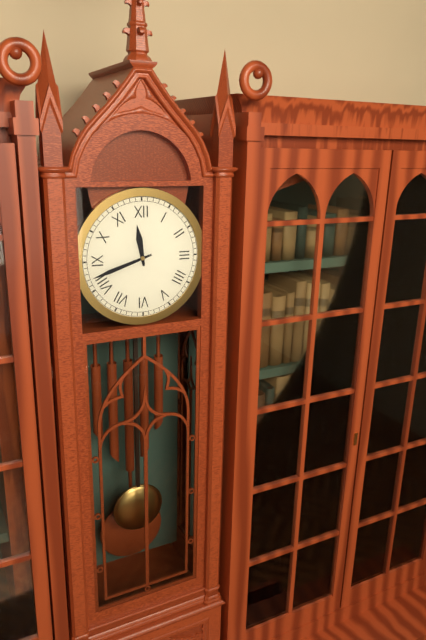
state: 11:42
